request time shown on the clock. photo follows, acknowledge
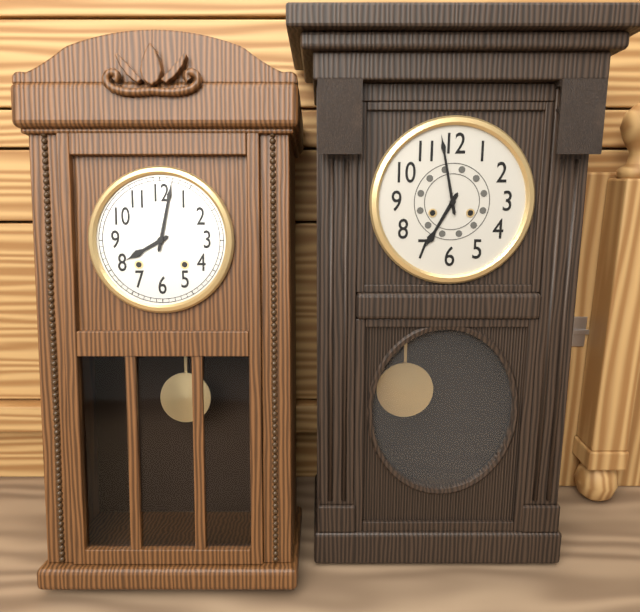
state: 8:02
